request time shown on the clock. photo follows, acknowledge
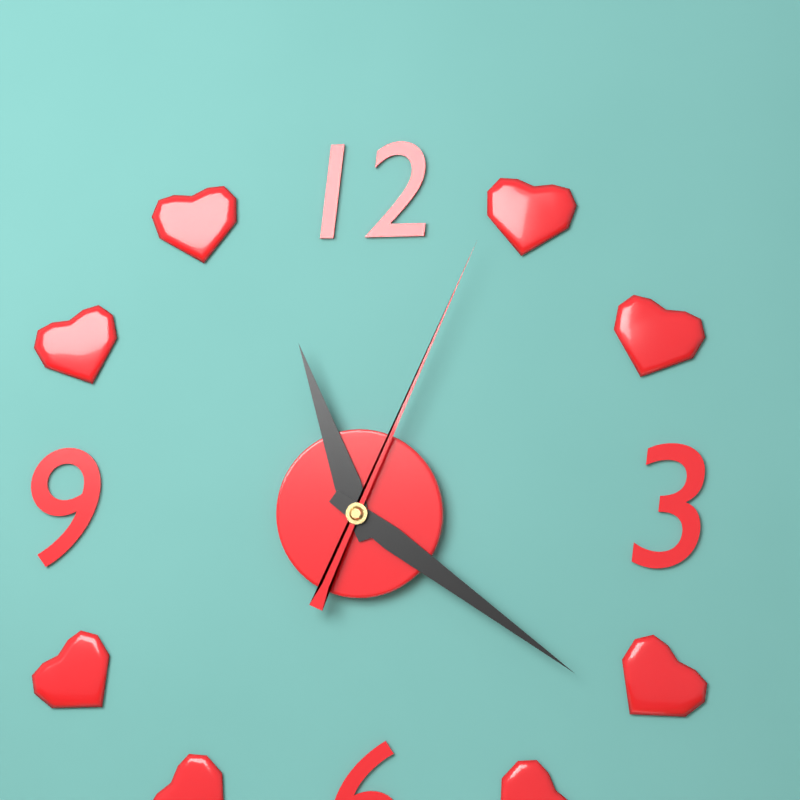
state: 11:21:04
